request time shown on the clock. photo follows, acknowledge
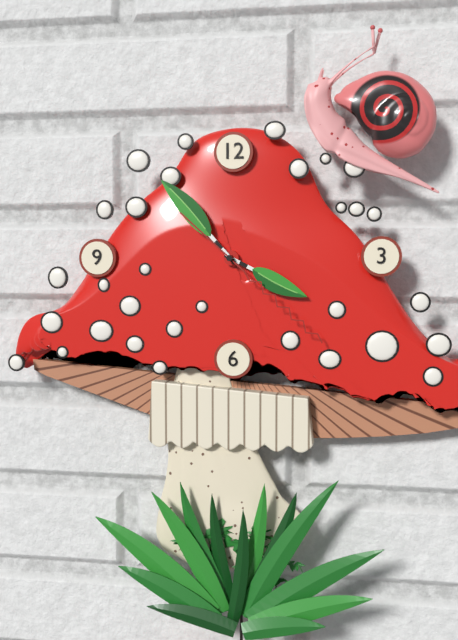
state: 3:53:22
